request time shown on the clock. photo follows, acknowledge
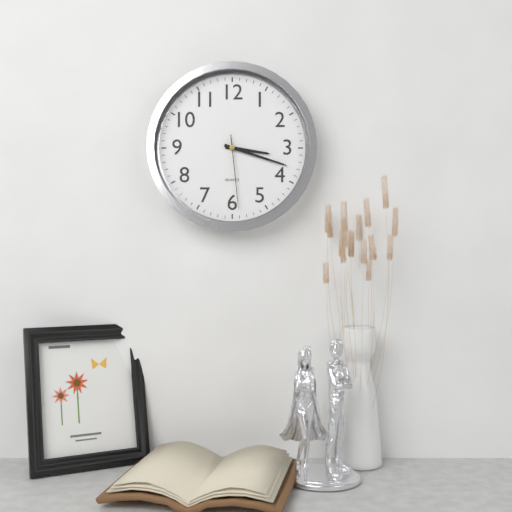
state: 3:18:29
